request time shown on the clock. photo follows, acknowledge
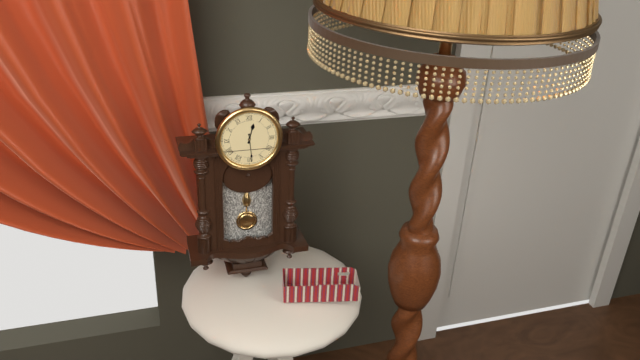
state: 12:29
